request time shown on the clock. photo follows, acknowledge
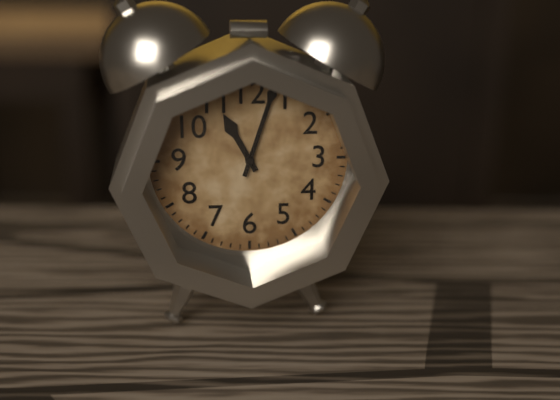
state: 11:03
